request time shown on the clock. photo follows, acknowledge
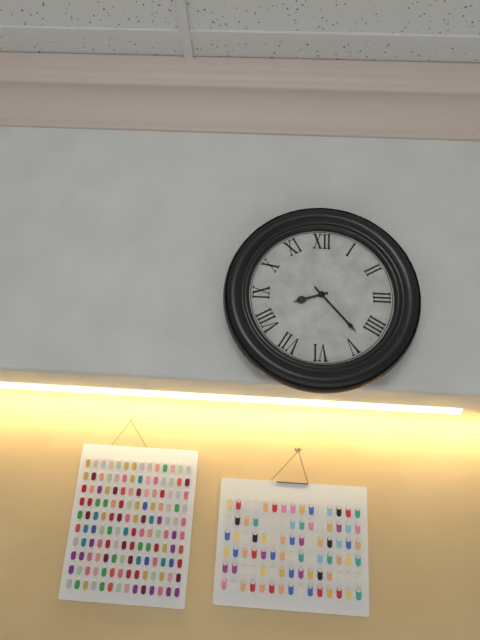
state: 8:23
